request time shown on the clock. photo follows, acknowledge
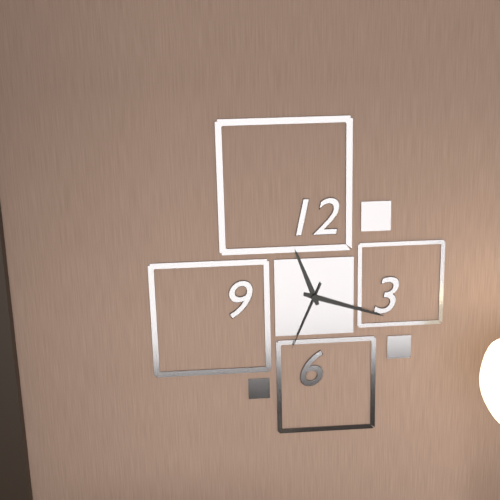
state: 11:18:34
